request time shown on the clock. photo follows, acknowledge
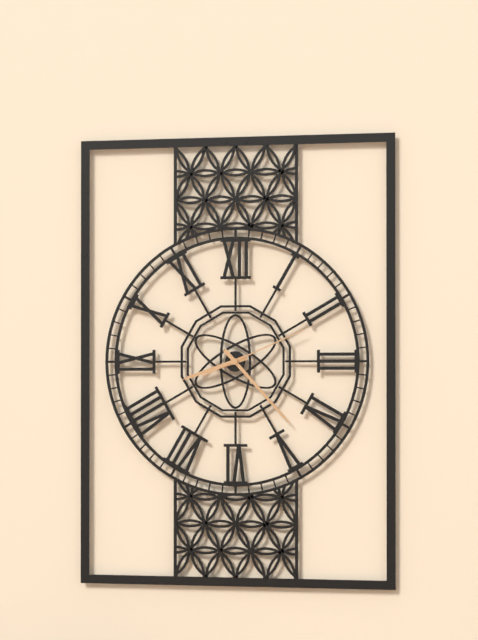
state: 8:23:11
